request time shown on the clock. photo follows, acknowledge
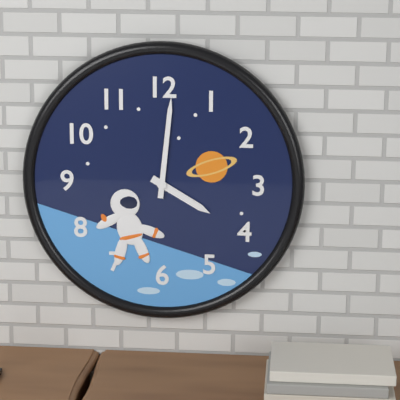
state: 4:01
